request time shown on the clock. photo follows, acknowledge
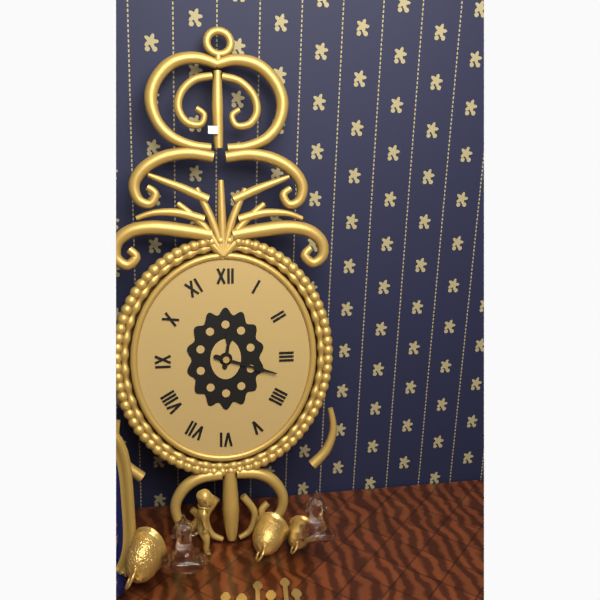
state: 12:18
